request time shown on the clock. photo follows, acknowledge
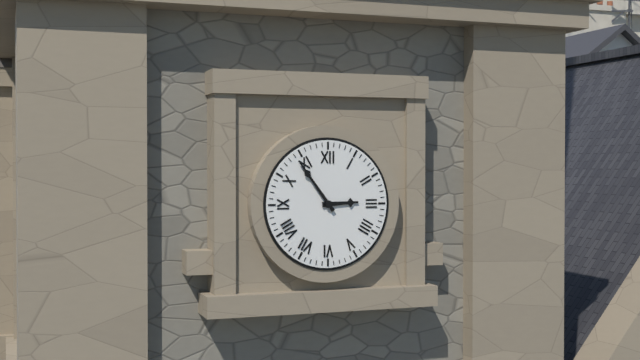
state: 2:54
